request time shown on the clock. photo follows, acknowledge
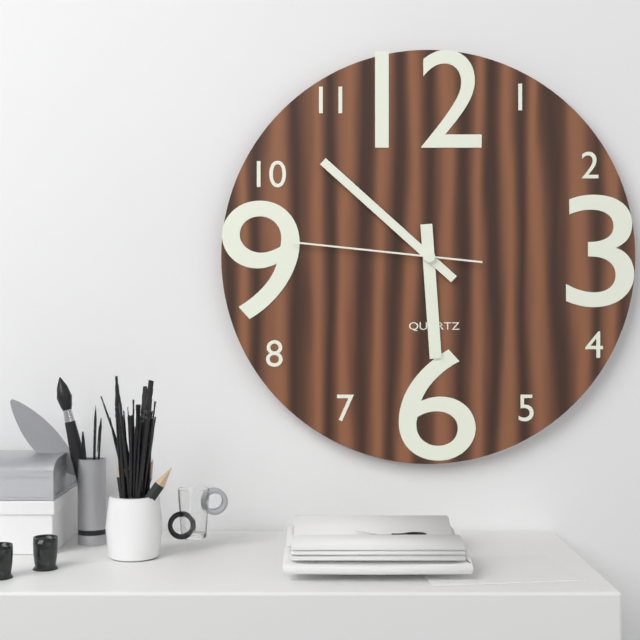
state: 5:52:46
